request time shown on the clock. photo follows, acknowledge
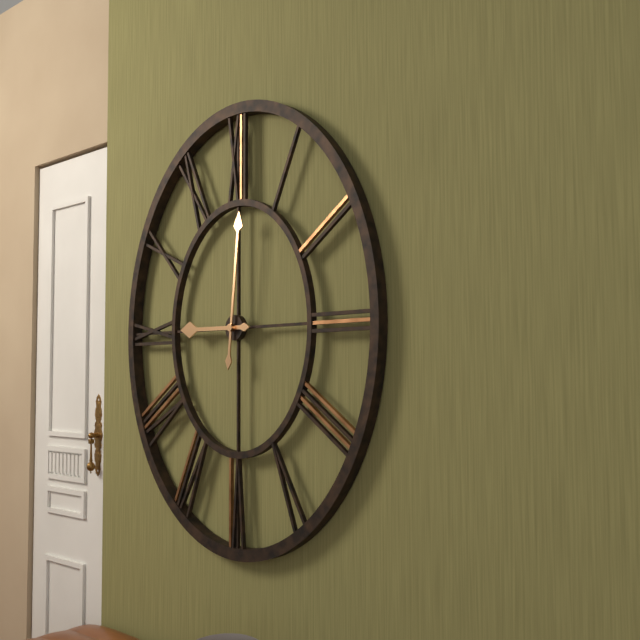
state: 9:01
